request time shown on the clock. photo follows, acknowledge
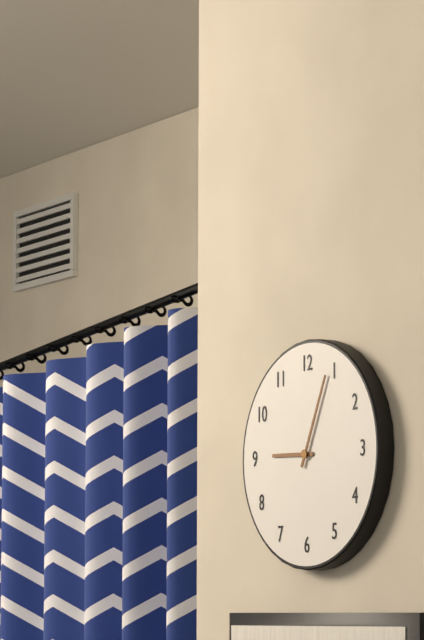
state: 9:04
